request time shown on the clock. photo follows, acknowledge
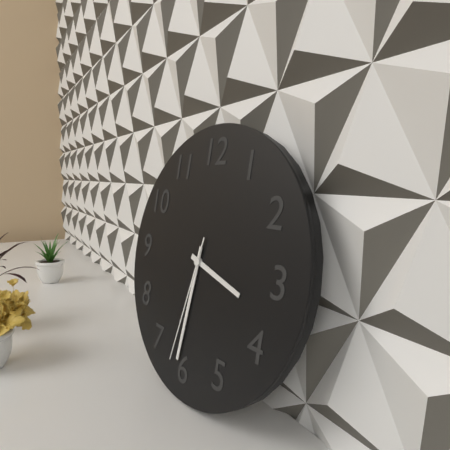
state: 3:31:32
